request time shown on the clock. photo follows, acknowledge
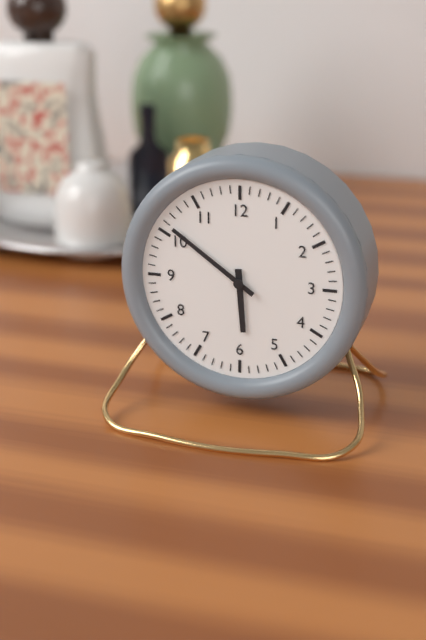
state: 5:51
